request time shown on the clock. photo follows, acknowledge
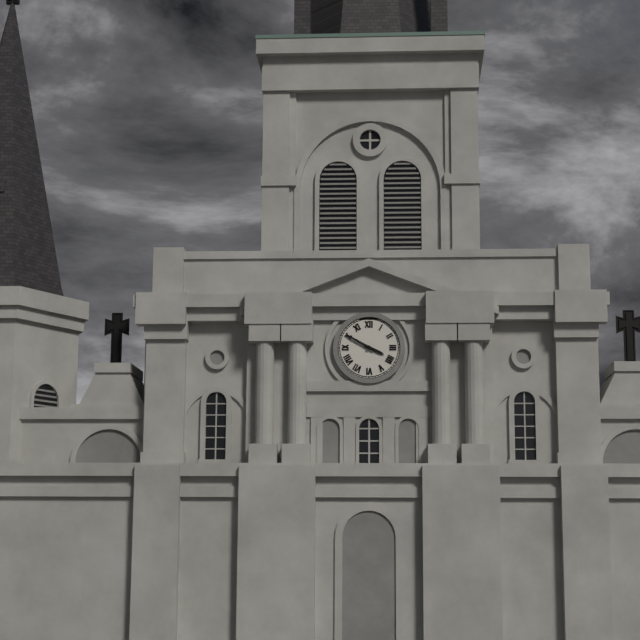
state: 3:50
